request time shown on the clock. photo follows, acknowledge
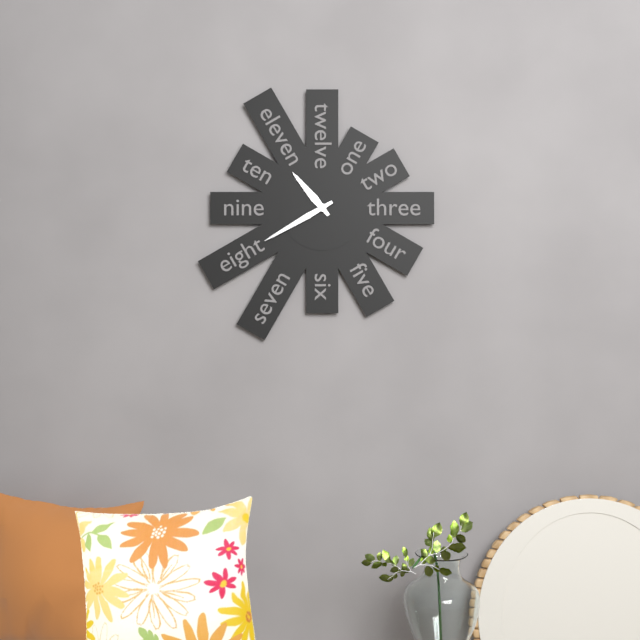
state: 10:40
